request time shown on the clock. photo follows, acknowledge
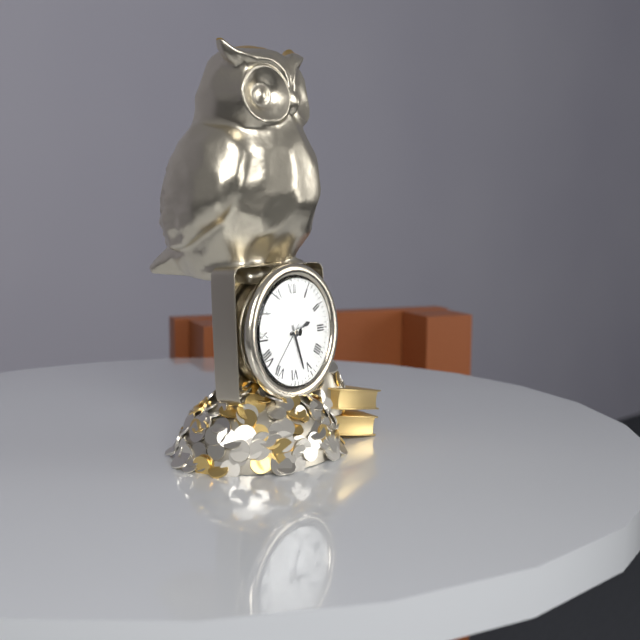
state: 2:27
